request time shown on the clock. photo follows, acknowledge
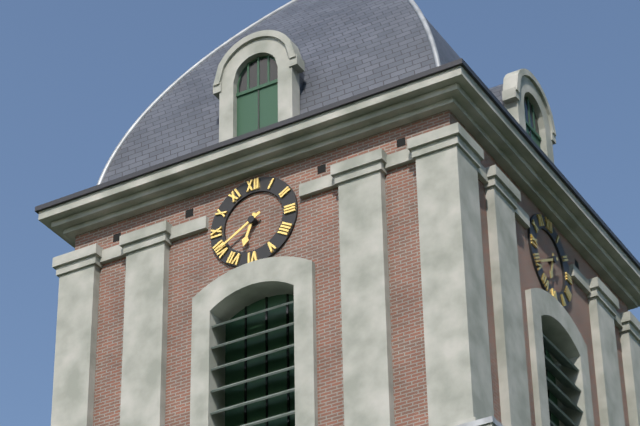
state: 6:40
